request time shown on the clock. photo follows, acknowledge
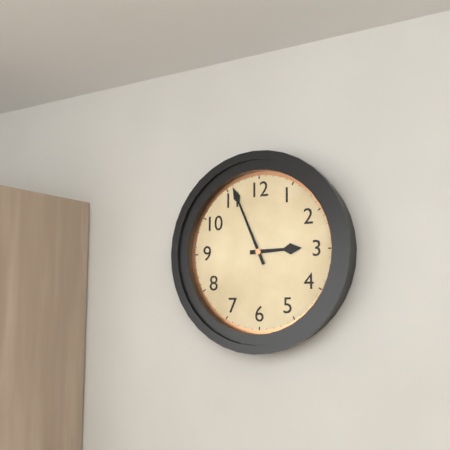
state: 2:56
